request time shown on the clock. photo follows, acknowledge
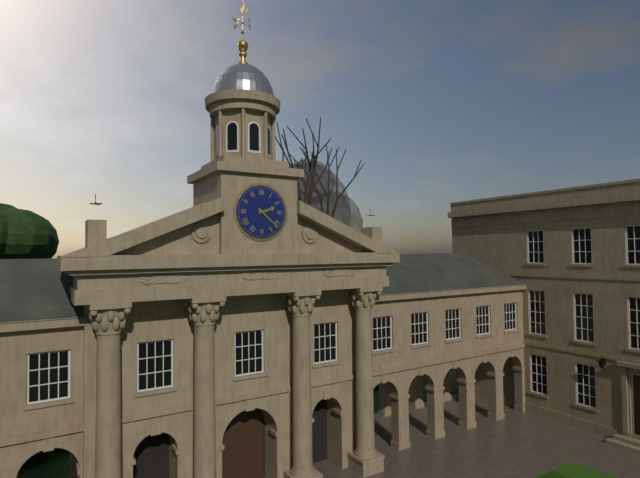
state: 2:22
